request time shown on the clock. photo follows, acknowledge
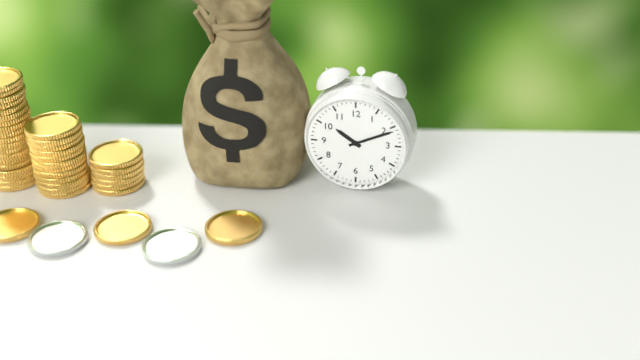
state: 10:11
